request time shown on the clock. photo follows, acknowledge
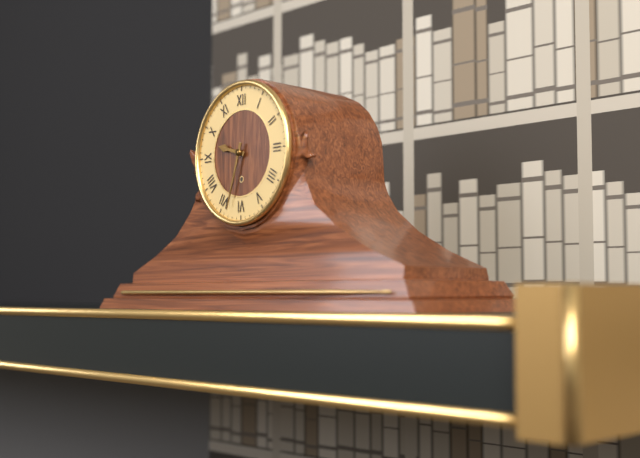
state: 9:33
